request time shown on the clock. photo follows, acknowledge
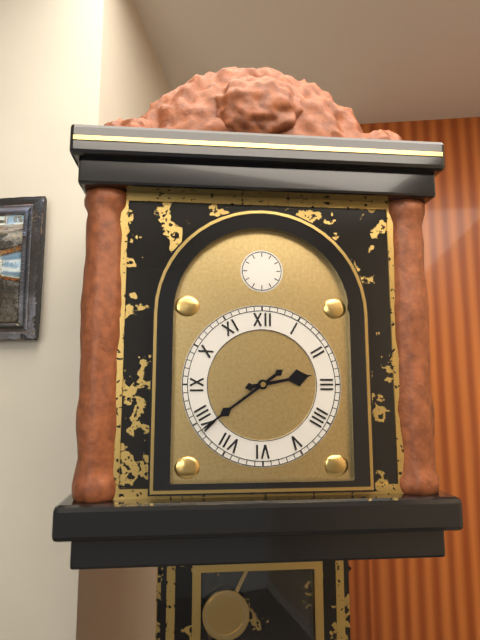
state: 2:39
